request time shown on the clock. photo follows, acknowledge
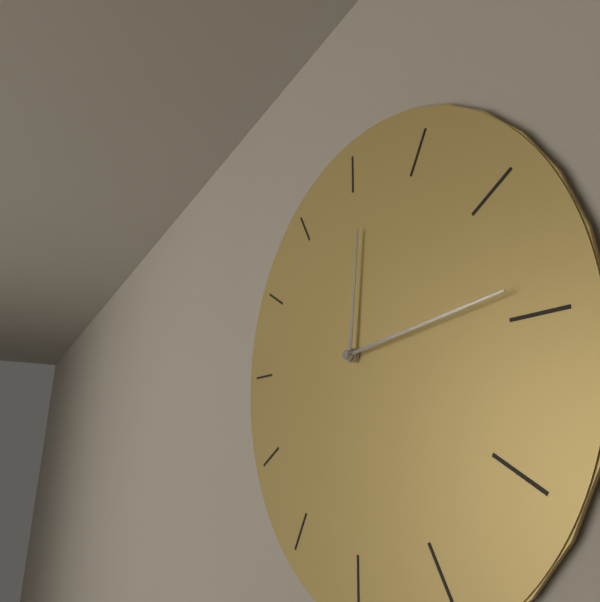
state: 12:14
